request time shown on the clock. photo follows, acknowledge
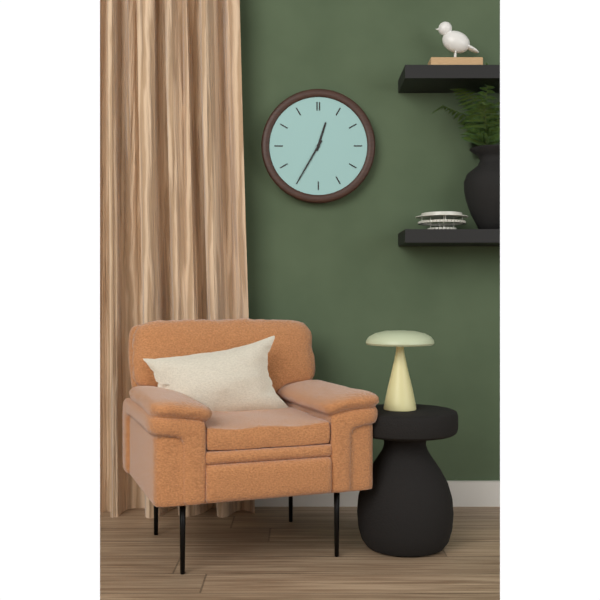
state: 12:35
